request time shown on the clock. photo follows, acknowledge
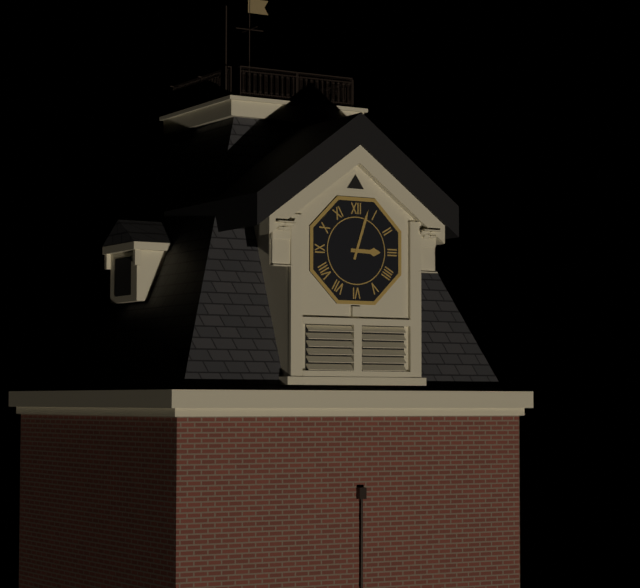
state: 3:03
